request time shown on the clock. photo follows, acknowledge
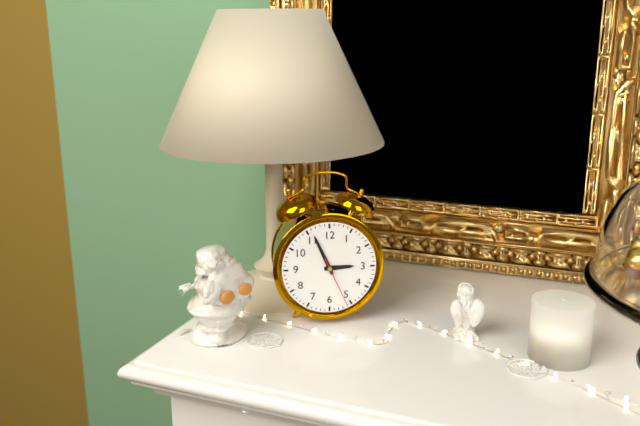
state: 2:56
